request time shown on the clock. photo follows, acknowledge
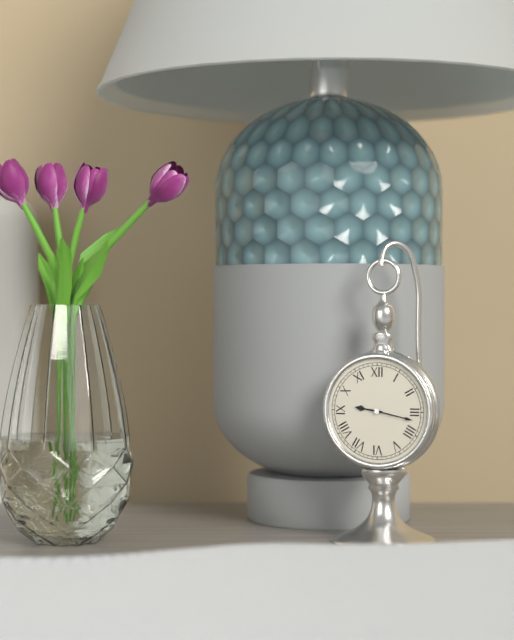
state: 9:17
